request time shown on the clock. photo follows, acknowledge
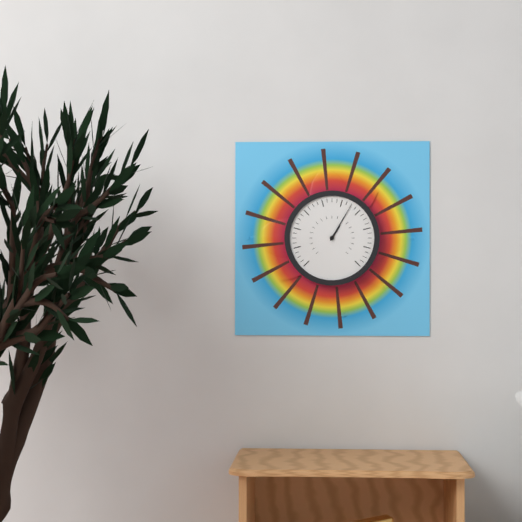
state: 1:05
